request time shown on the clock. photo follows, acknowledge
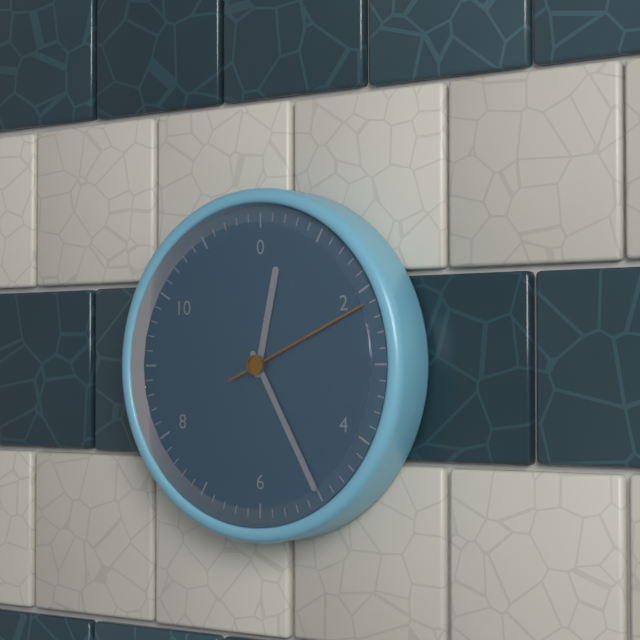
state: 12:25:11
